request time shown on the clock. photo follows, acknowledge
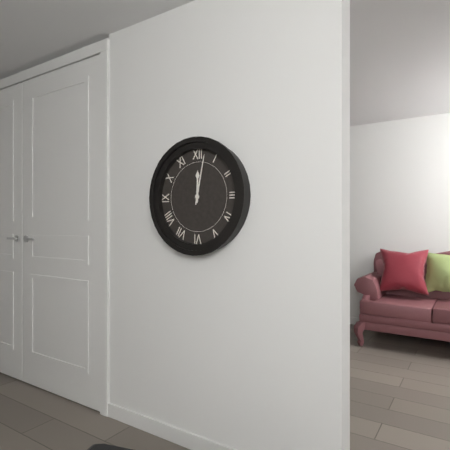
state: 12:02
